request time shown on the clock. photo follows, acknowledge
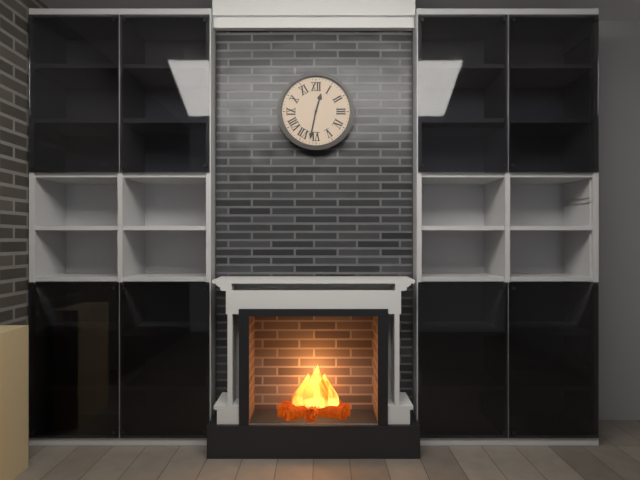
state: 12:32
